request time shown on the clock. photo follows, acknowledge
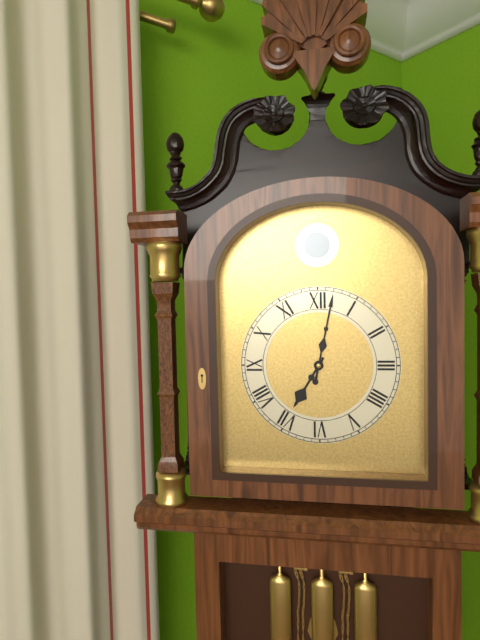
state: 7:02
